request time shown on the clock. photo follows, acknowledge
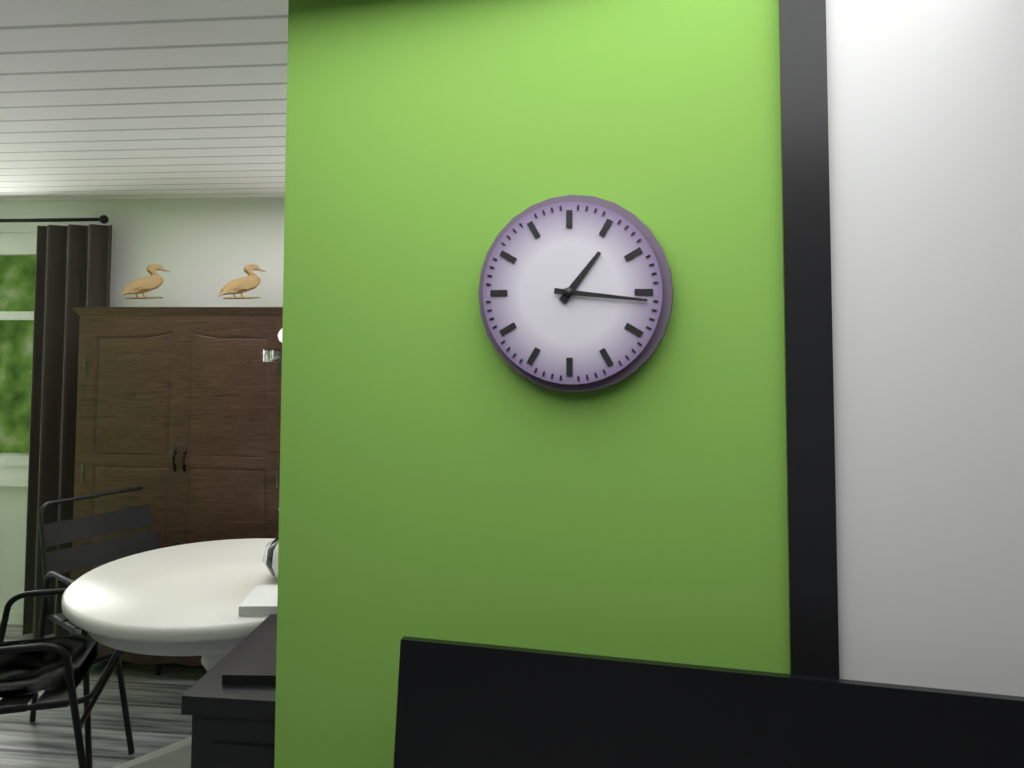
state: 1:16
